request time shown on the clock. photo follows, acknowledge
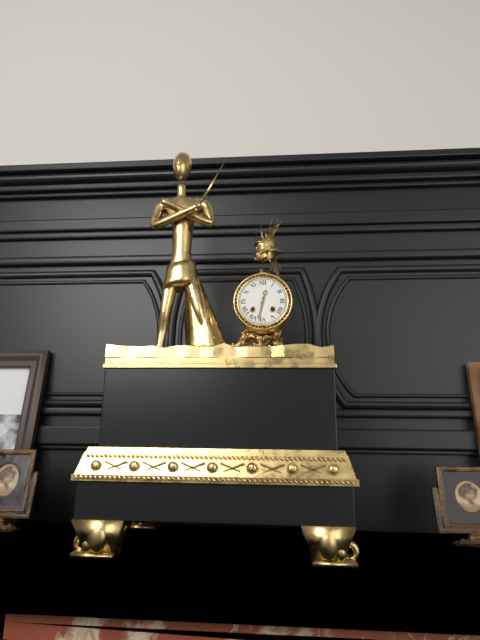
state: 12:32
